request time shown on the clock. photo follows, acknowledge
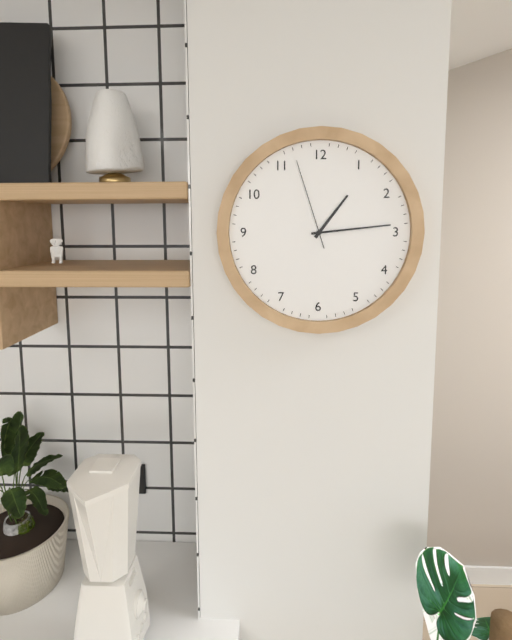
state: 1:14:57
